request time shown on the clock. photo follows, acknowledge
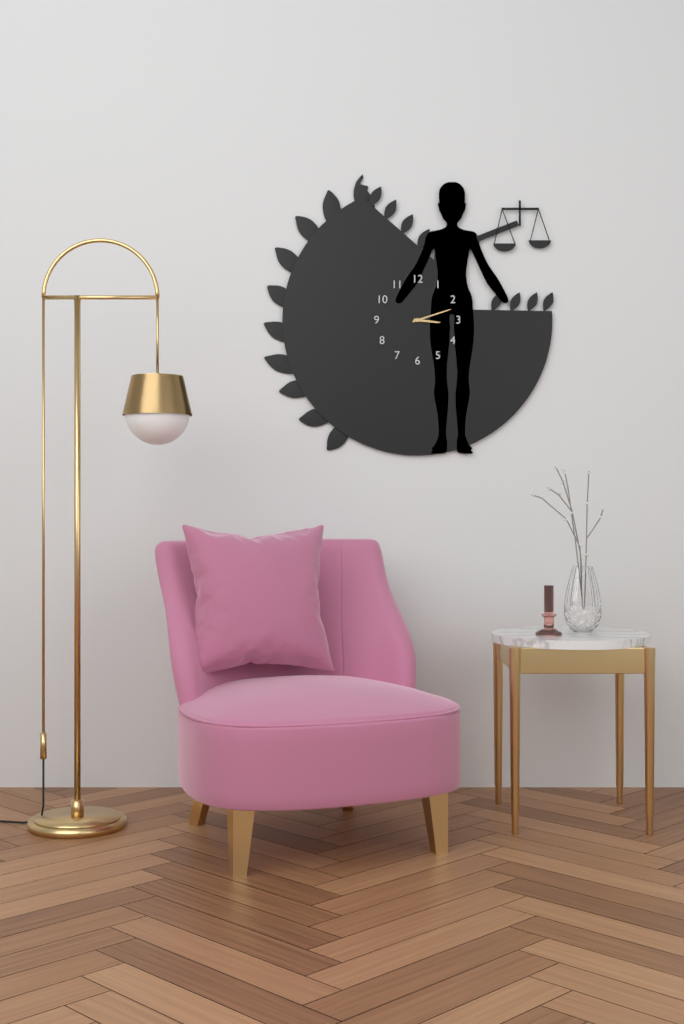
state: 3:12
